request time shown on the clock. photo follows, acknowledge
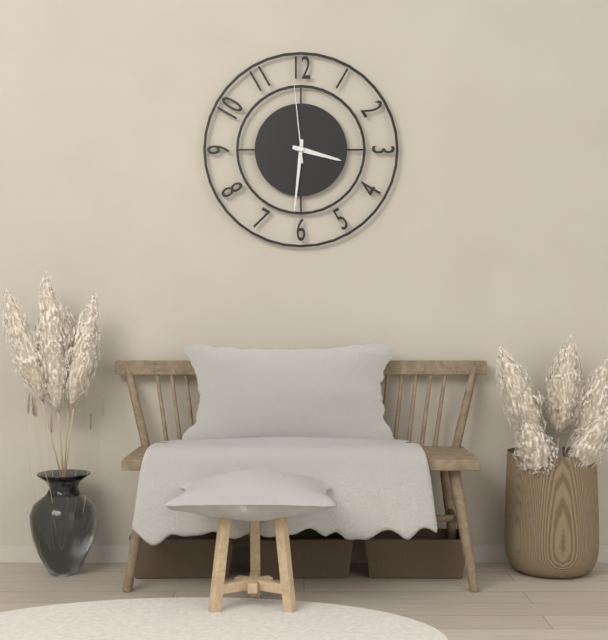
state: 3:31:59
